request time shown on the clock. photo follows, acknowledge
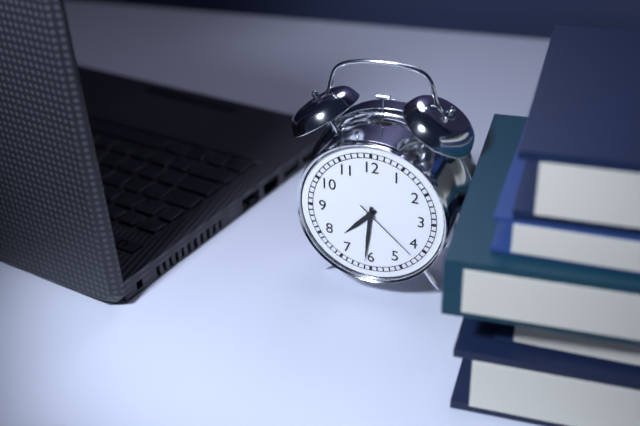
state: 7:31:22
